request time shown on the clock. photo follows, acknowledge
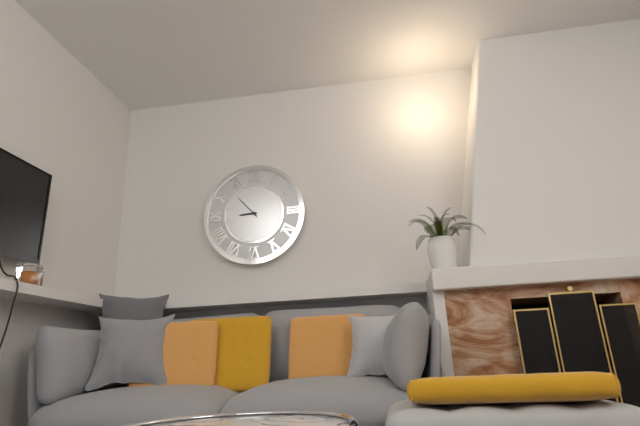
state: 8:53
